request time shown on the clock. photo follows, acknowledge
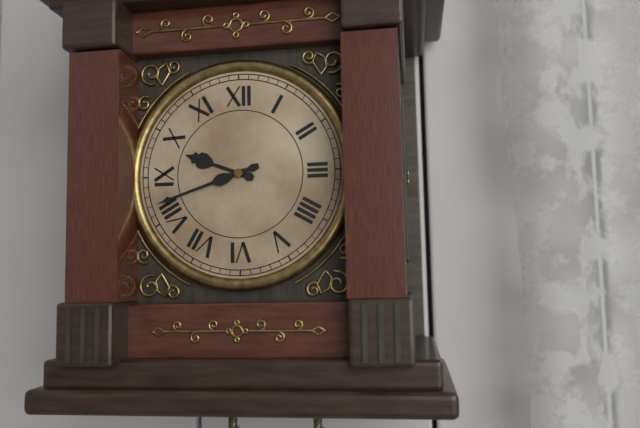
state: 9:42
